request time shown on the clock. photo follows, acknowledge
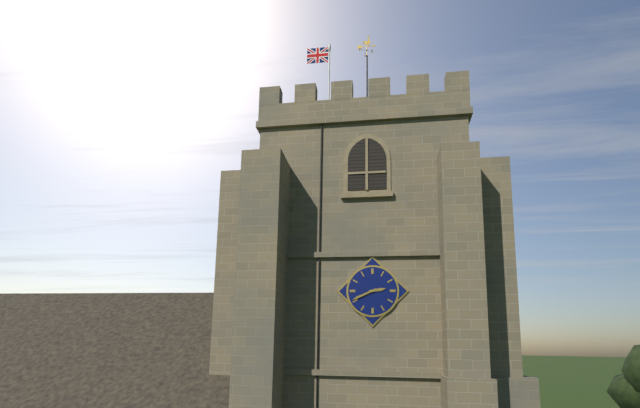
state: 2:41
